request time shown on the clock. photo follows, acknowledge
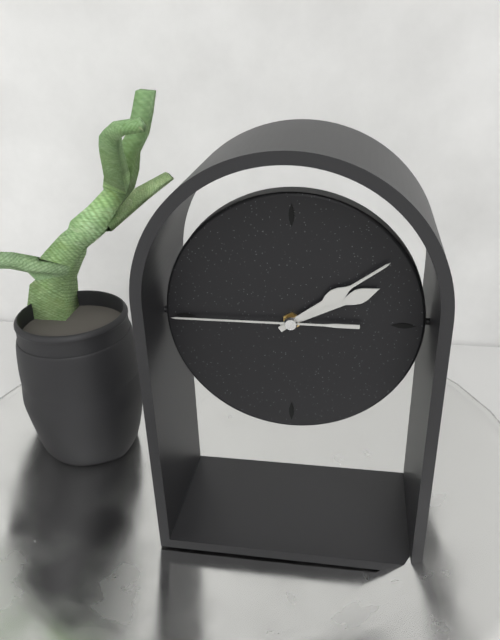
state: 2:09:45
